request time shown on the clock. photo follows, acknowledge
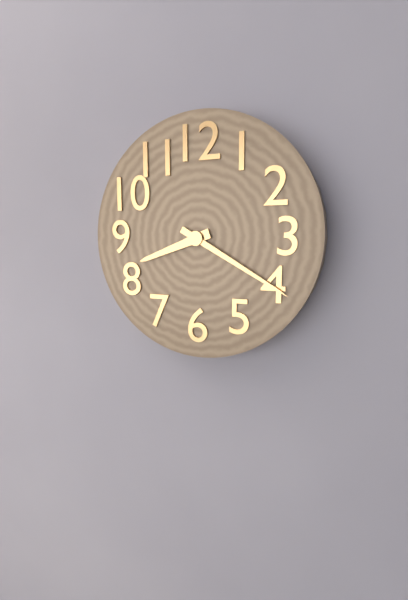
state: 8:20
